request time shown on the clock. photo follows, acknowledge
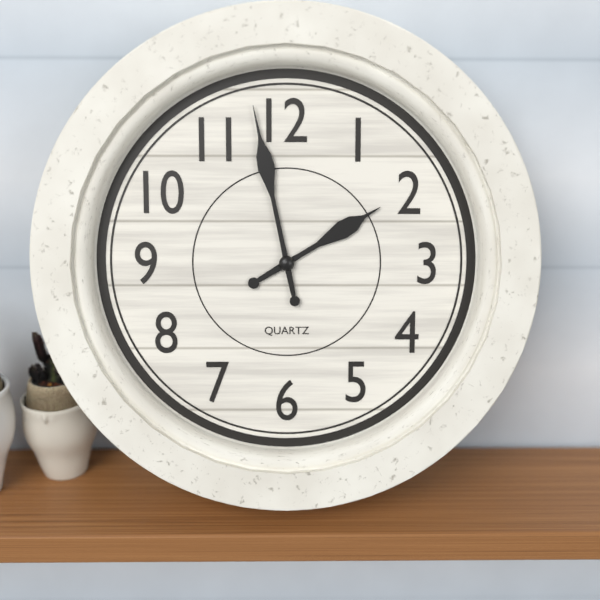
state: 1:58
